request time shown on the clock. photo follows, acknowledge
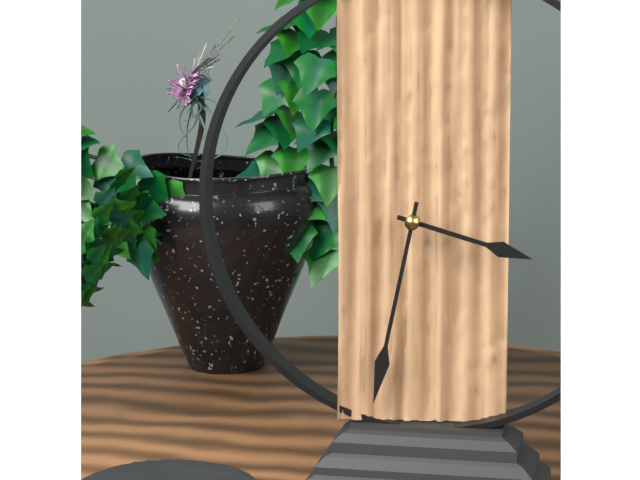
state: 3:32
